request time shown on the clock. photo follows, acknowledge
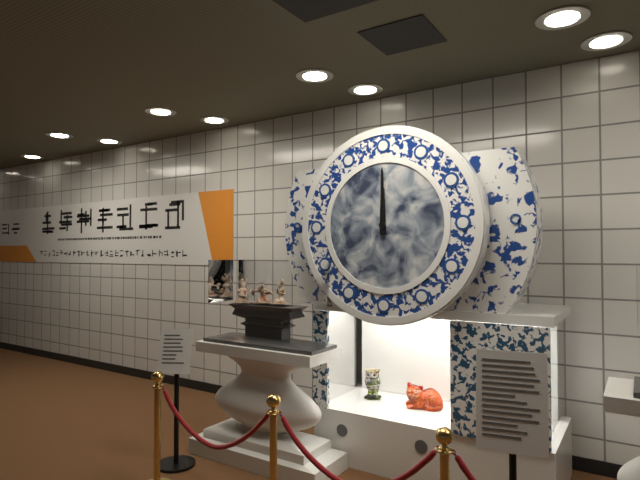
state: 12:00
